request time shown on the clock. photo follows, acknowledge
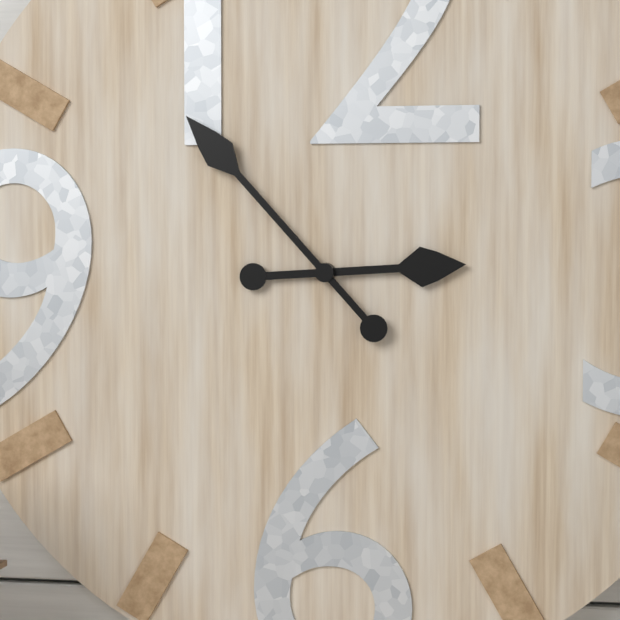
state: 2:53
